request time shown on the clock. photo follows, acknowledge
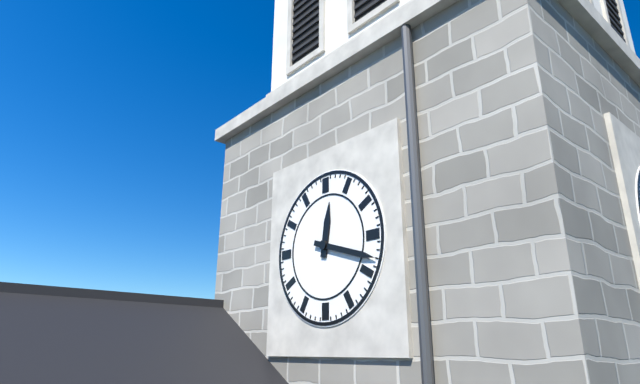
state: 12:18
